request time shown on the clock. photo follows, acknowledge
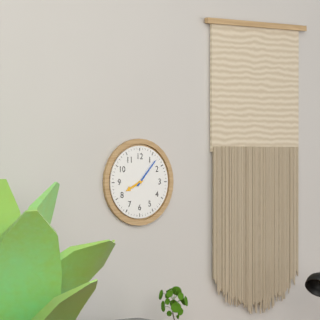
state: 8:07
